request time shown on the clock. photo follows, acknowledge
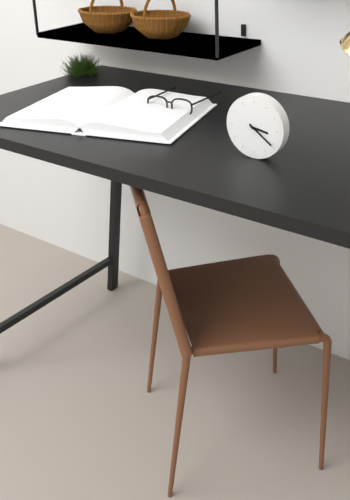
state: 3:21
